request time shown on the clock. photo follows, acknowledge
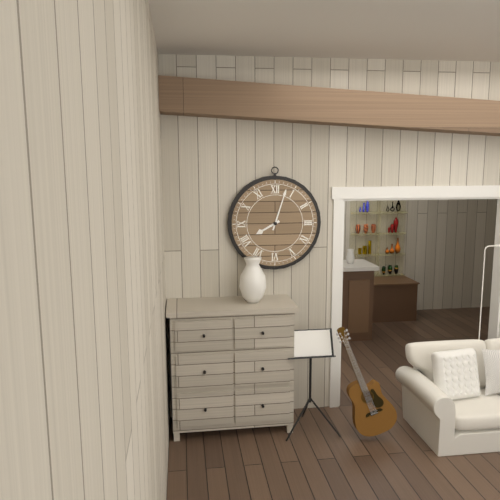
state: 8:03
